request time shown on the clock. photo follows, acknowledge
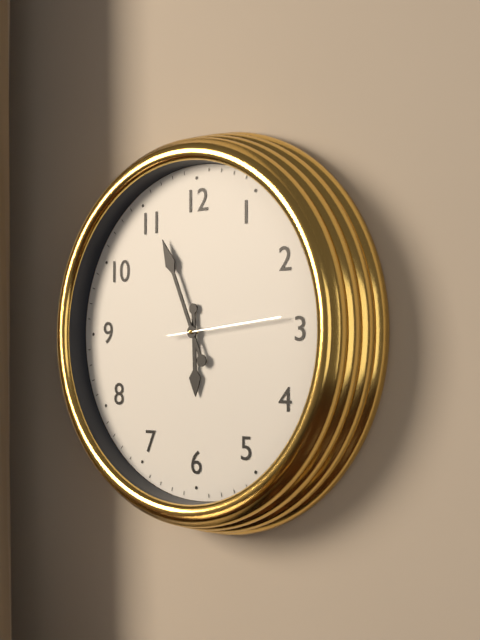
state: 5:56:14
